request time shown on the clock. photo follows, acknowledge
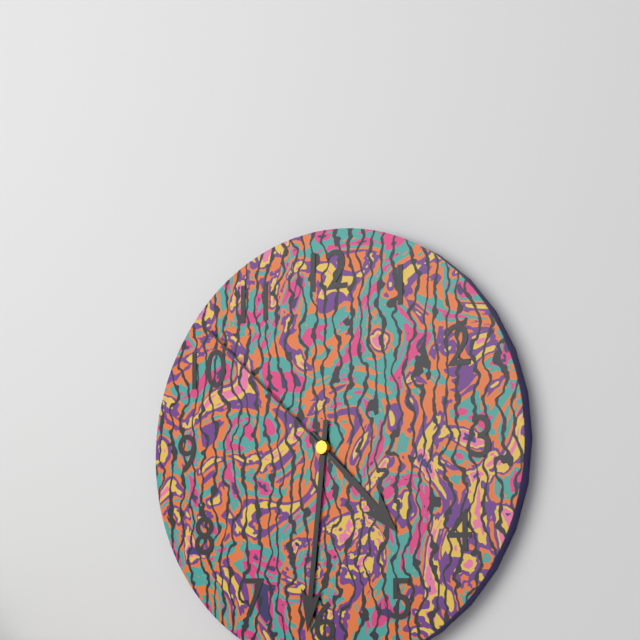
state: 4:31:52
